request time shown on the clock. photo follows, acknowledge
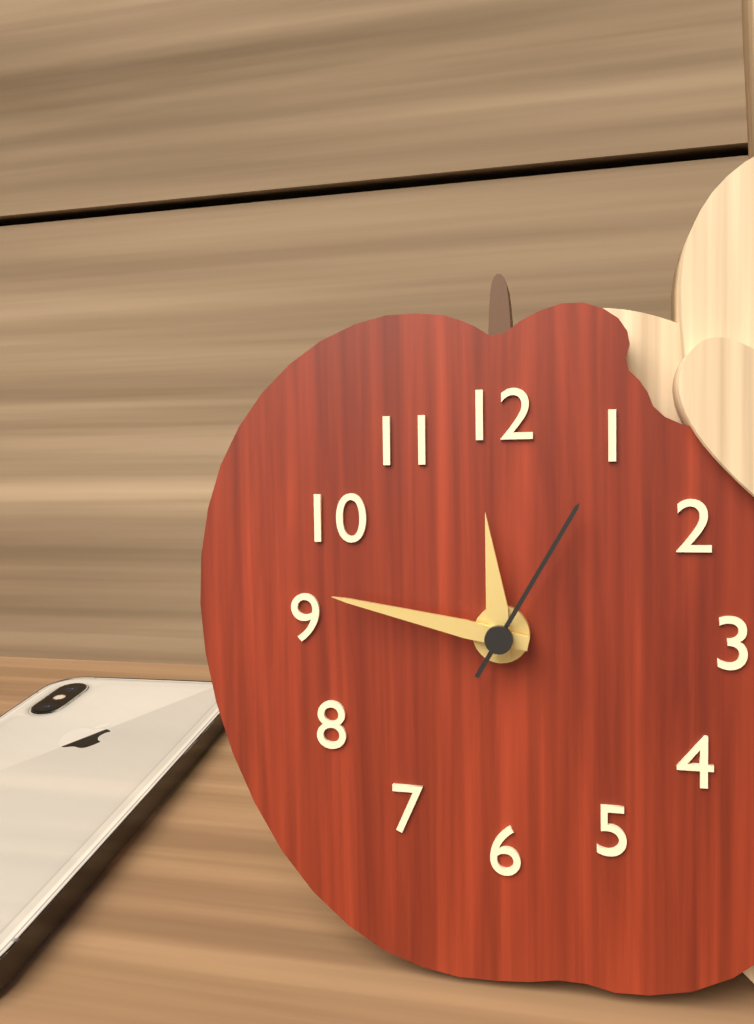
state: 11:47:05
